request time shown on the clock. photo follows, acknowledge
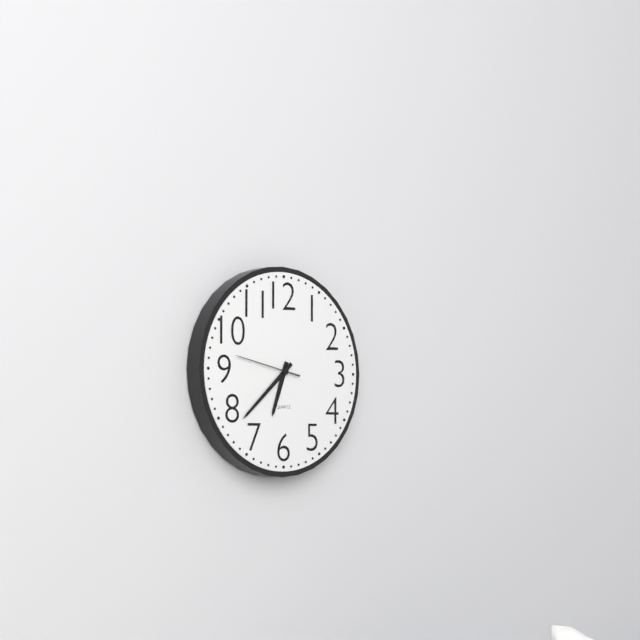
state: 6:38:47
